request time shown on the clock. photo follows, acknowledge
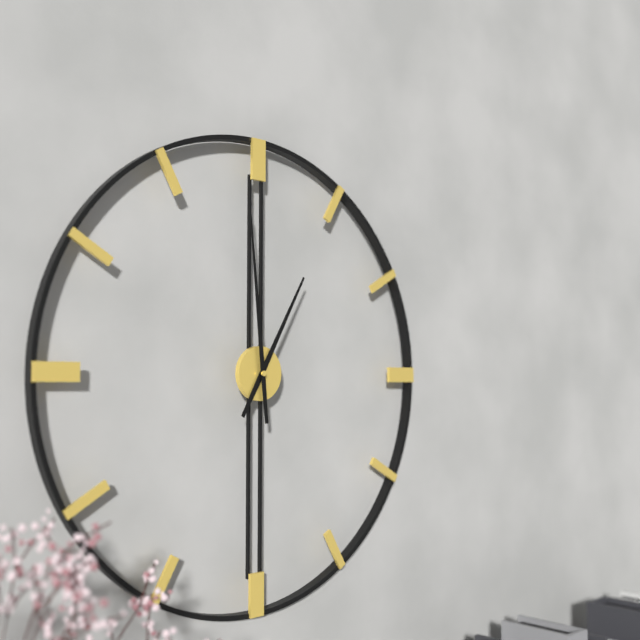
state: 12:59
